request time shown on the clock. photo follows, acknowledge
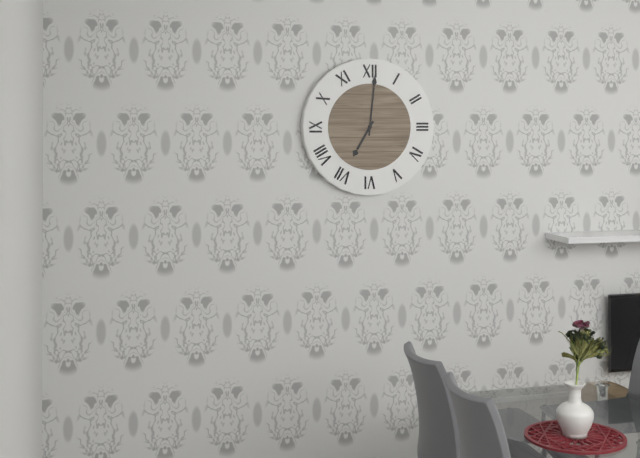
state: 7:01
